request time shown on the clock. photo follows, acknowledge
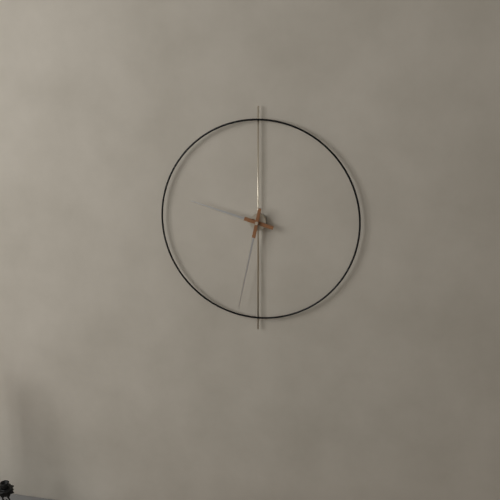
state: 9:32
